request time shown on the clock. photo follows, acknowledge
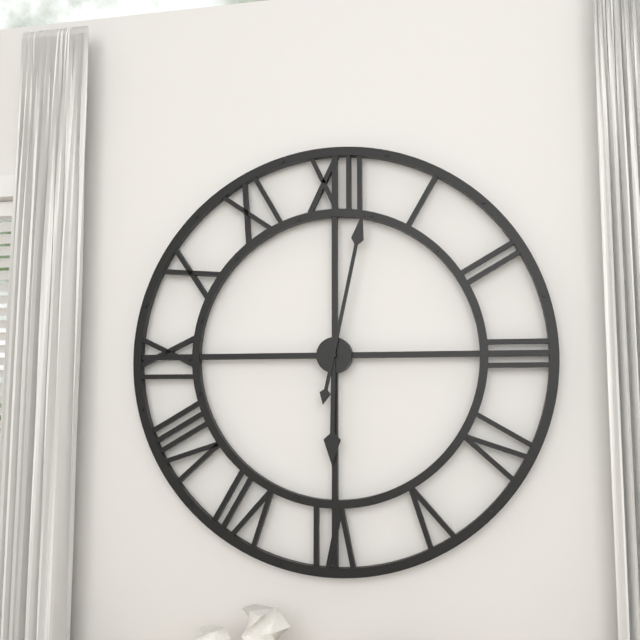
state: 6:02
